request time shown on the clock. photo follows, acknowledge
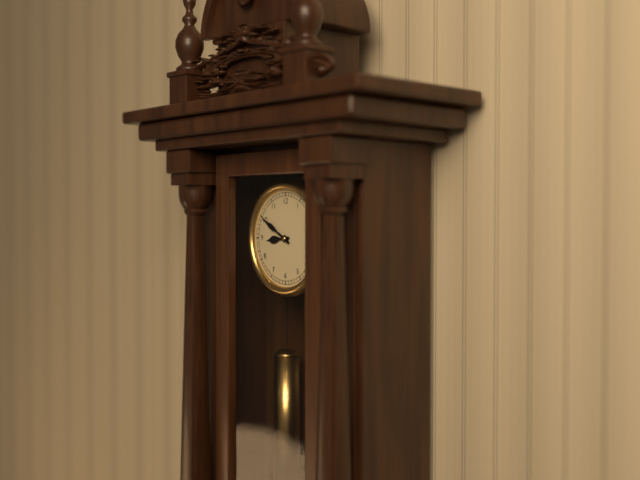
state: 8:50
